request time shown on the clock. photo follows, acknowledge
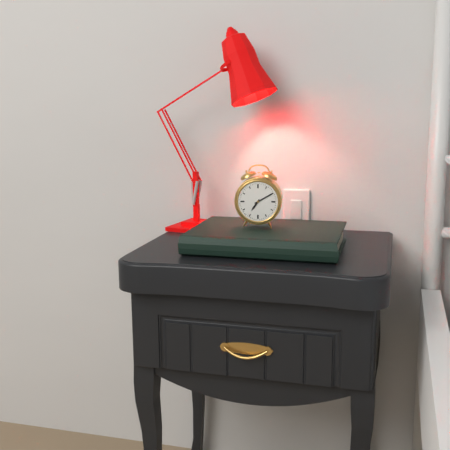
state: 7:10
